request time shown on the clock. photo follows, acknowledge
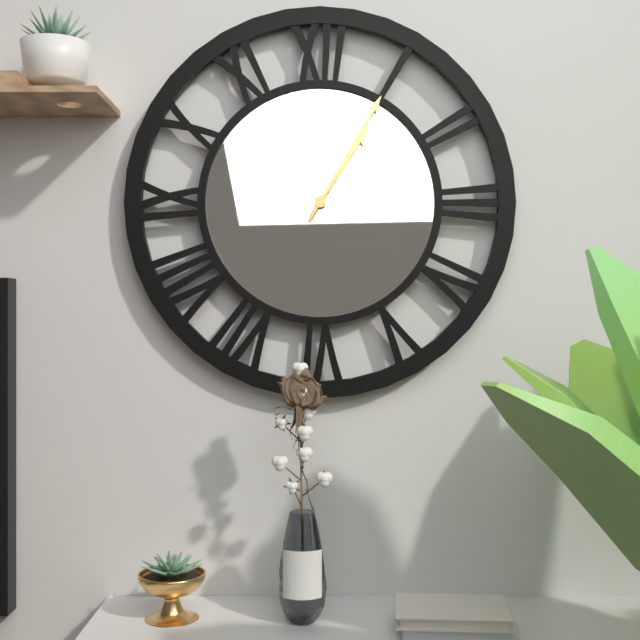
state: 1:05
